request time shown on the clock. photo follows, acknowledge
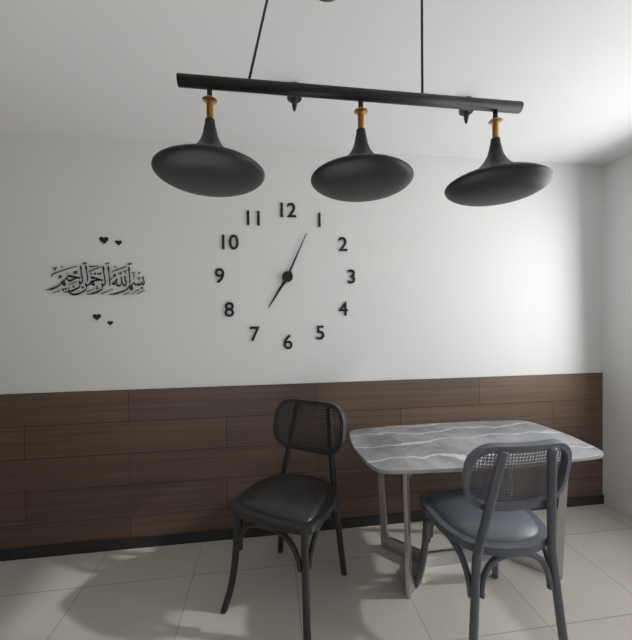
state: 7:04
